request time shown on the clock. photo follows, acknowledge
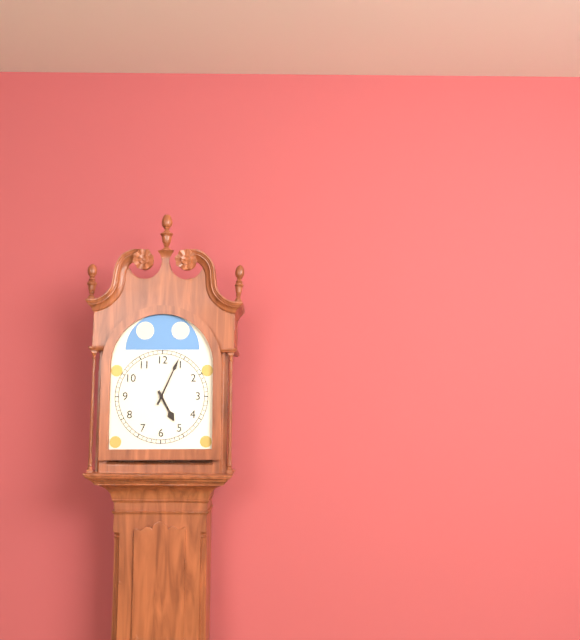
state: 5:04
